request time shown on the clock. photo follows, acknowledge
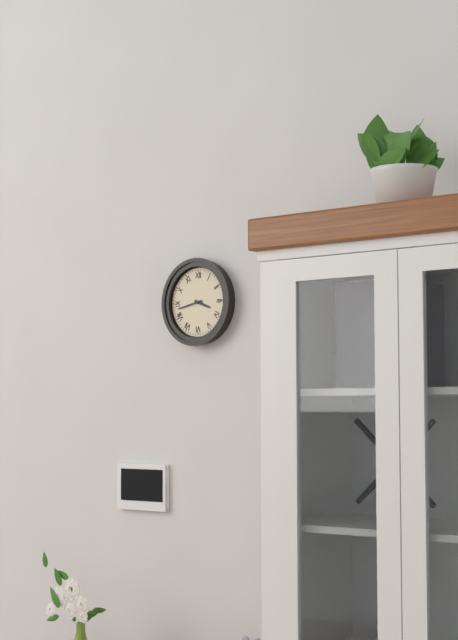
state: 3:43
